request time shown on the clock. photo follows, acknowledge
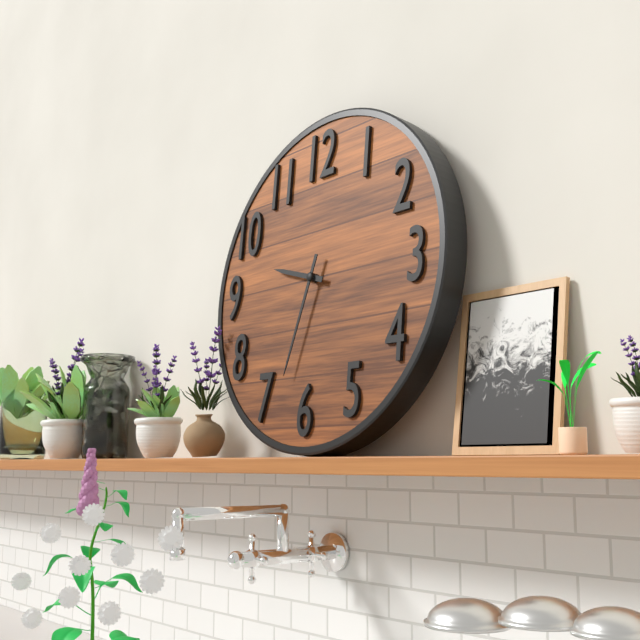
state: 9:33
